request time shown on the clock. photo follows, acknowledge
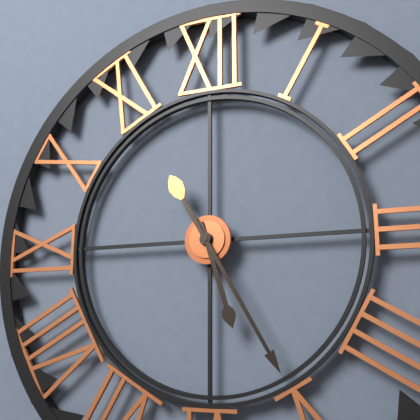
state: 5:25
